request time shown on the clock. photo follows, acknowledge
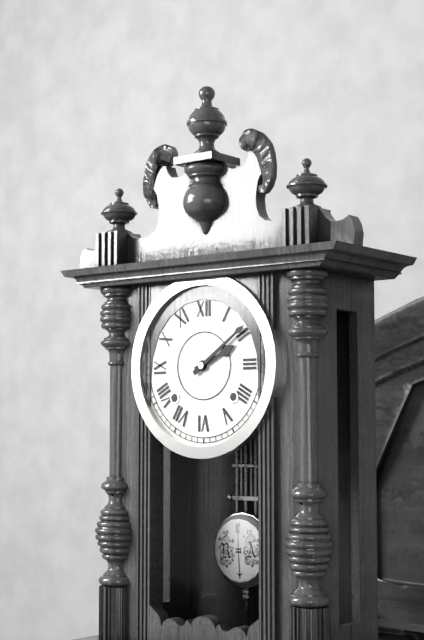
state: 2:09
